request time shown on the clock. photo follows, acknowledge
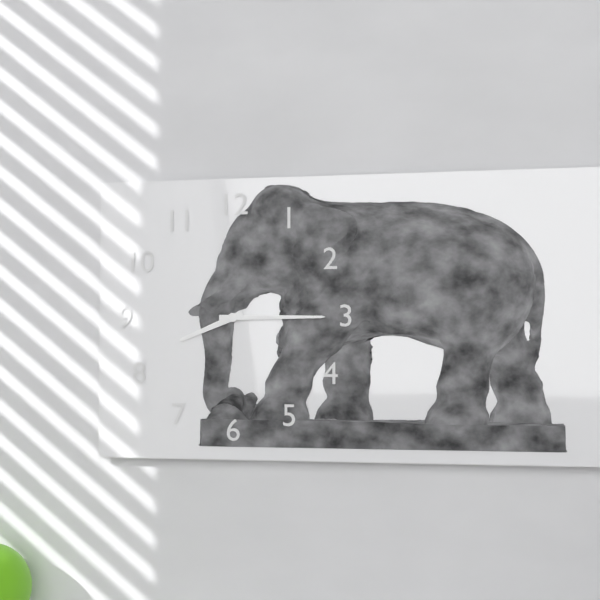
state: 8:15
